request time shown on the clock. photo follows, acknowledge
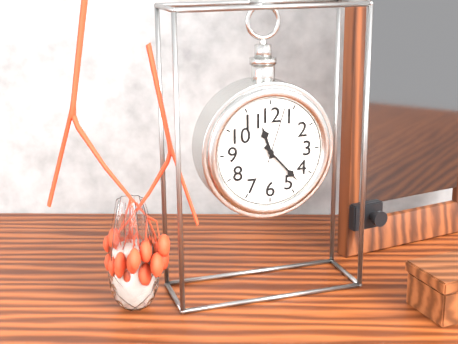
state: 11:23:03
